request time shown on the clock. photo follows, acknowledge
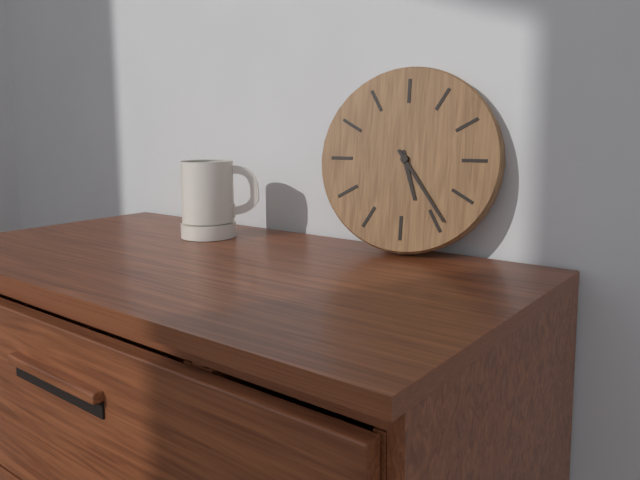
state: 5:24
